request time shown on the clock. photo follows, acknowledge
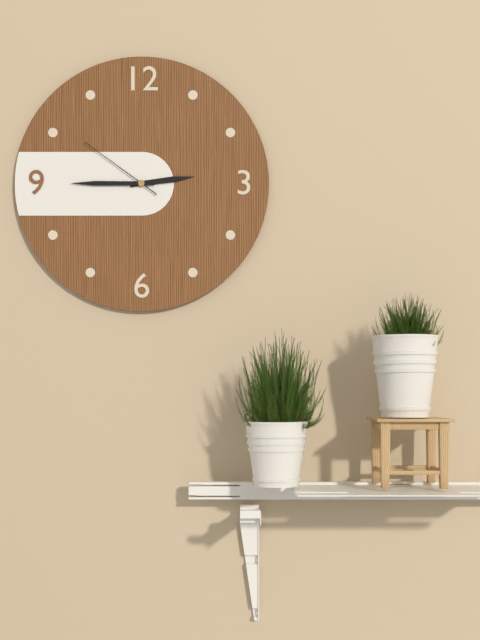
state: 2:45:51
